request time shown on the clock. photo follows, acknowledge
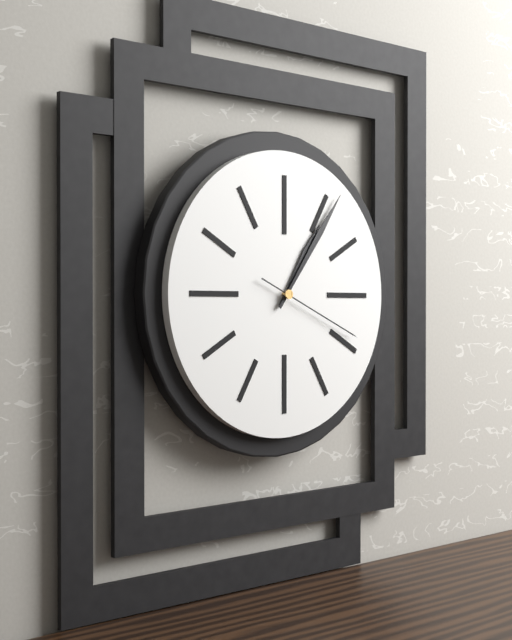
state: 1:06:19
